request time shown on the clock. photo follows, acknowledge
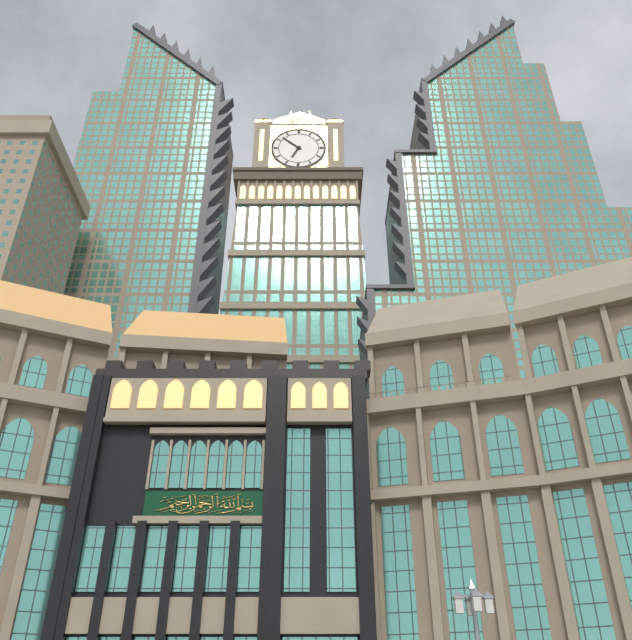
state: 6:52
